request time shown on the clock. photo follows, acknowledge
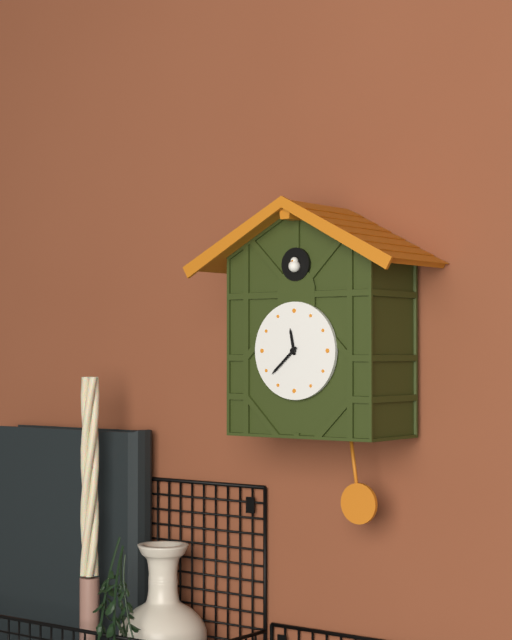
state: 11:38
